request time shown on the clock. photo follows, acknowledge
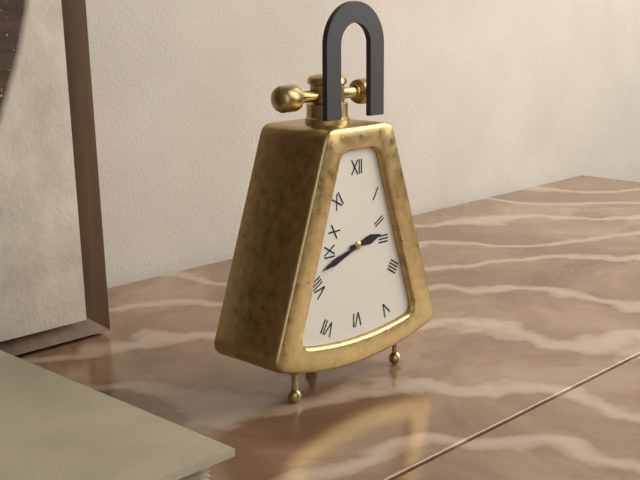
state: 2:42
